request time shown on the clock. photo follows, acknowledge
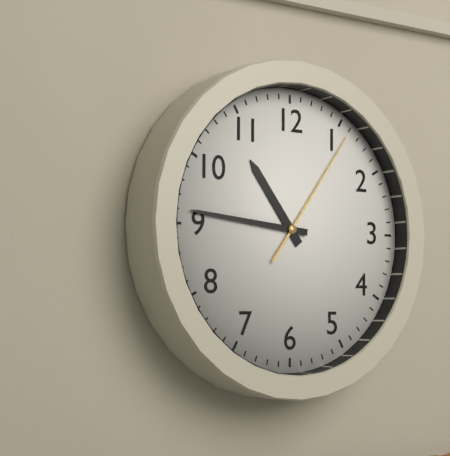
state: 10:46:06
